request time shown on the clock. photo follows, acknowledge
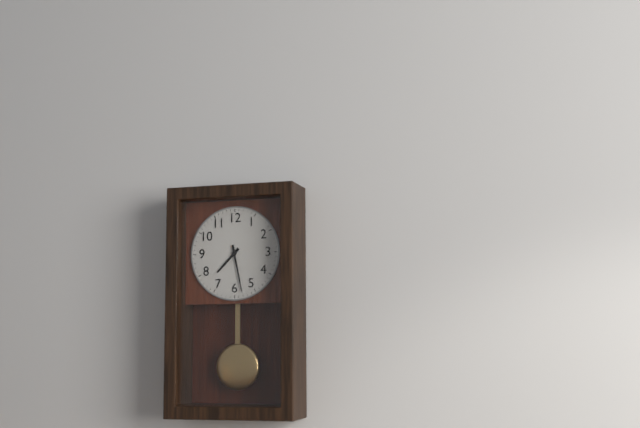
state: 7:28
